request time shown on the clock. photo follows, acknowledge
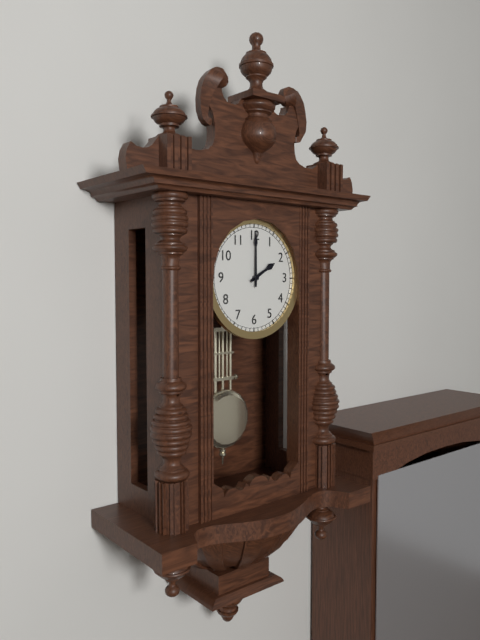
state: 2:00
